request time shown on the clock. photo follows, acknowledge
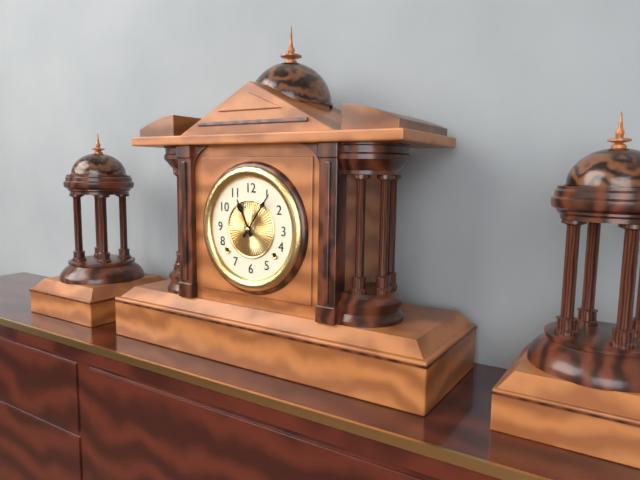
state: 11:06
